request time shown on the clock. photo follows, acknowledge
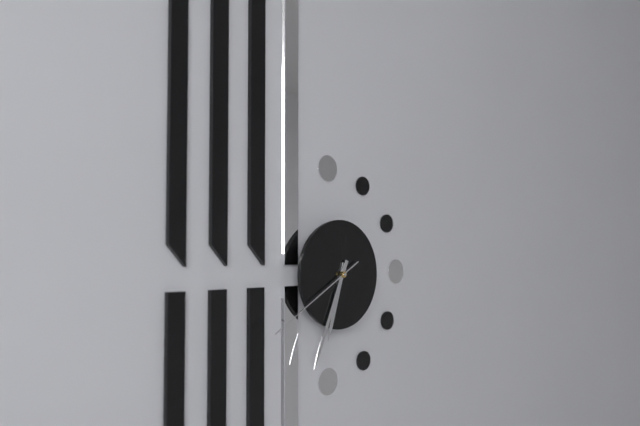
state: 6:34:40
